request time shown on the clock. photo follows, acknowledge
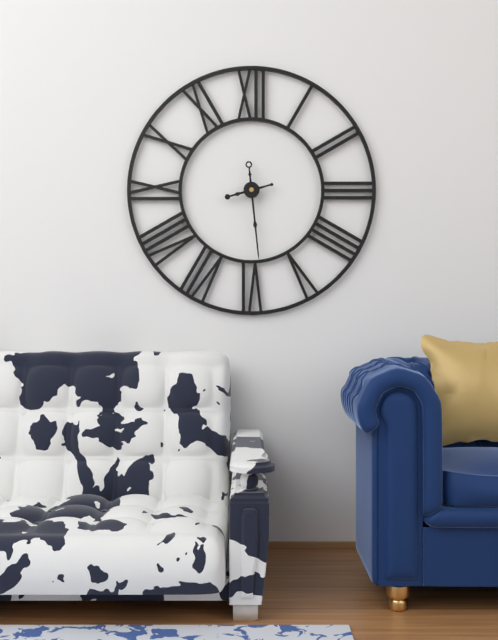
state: 8:29
